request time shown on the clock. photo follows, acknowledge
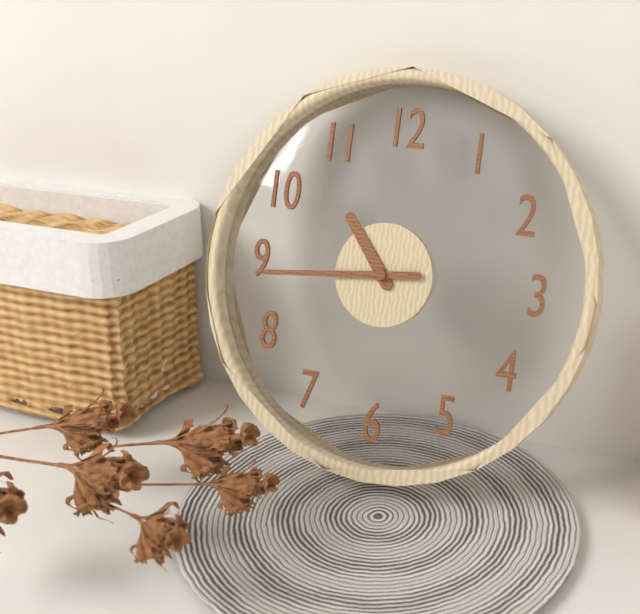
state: 10:44
